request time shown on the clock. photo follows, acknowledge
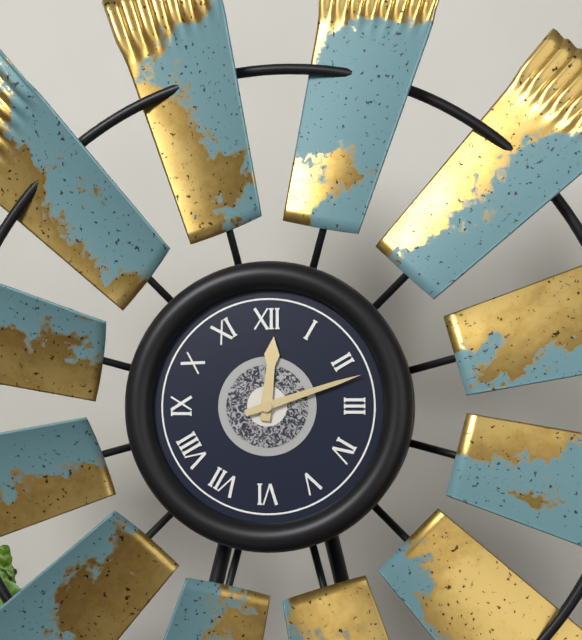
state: 12:12
